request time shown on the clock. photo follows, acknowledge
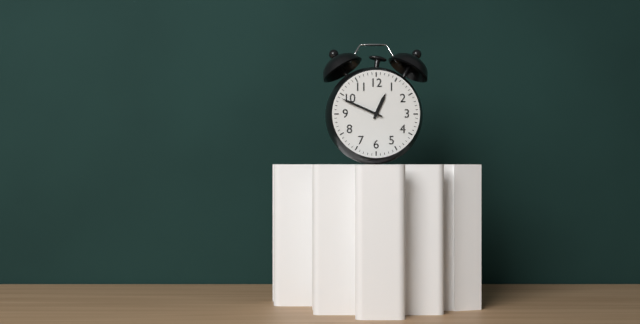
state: 12:49
